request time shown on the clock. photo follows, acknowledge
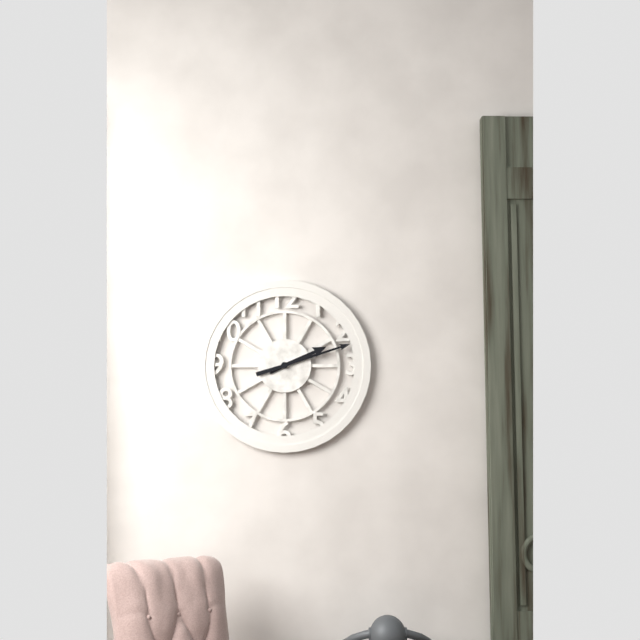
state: 2:12
